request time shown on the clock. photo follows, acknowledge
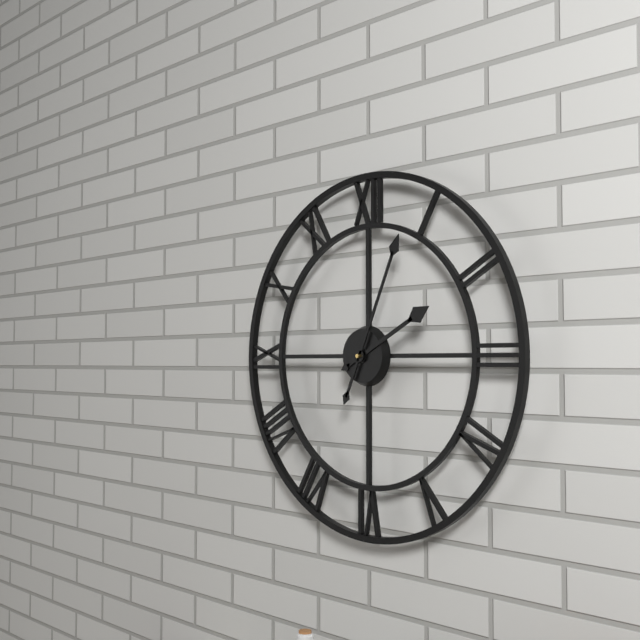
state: 2:04
